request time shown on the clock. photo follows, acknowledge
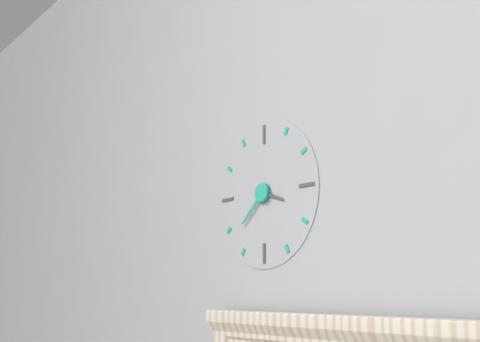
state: 3:38
